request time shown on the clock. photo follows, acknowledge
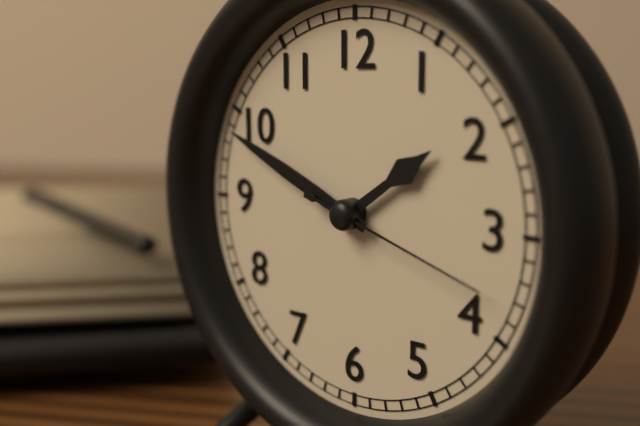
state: 1:49:18
